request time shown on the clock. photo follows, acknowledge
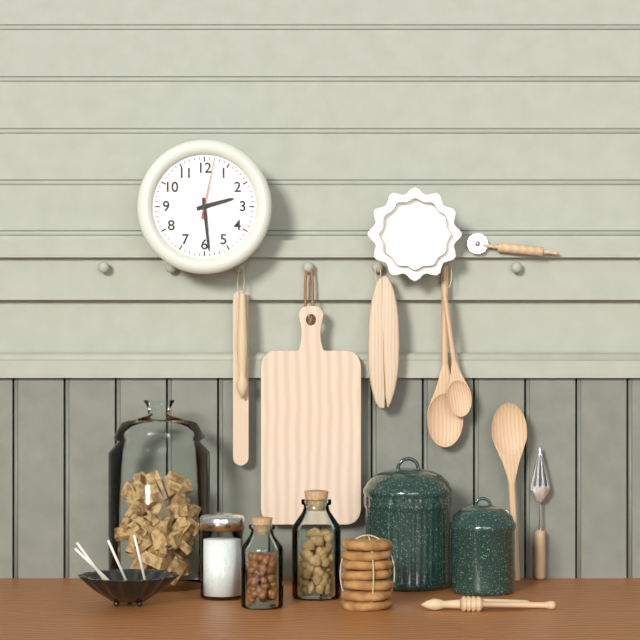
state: 2:29:02
